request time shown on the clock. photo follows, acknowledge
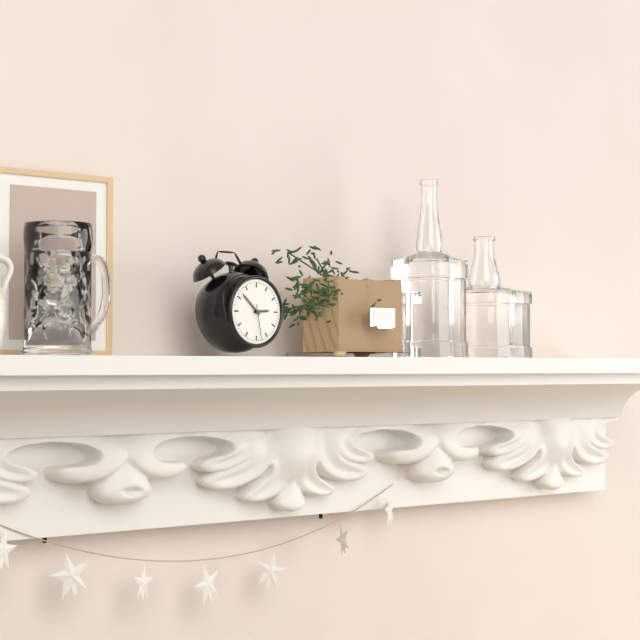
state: 2:52
